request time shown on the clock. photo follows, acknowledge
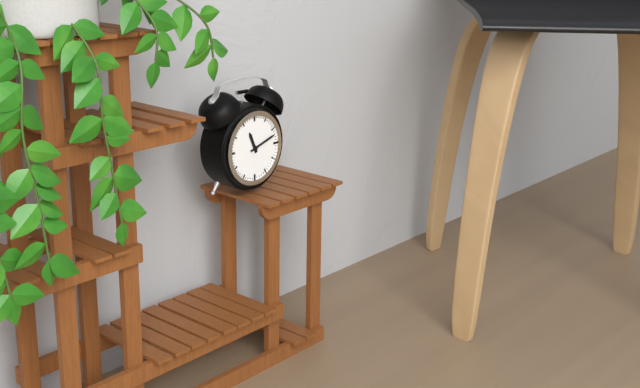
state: 11:12
